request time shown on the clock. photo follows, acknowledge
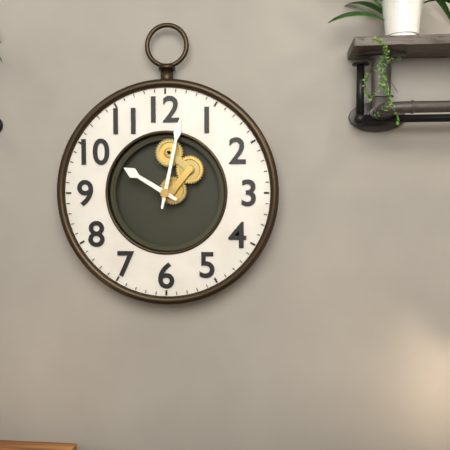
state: 10:02
